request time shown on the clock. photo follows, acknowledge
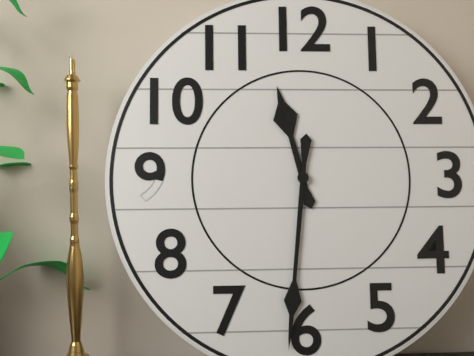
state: 11:31
